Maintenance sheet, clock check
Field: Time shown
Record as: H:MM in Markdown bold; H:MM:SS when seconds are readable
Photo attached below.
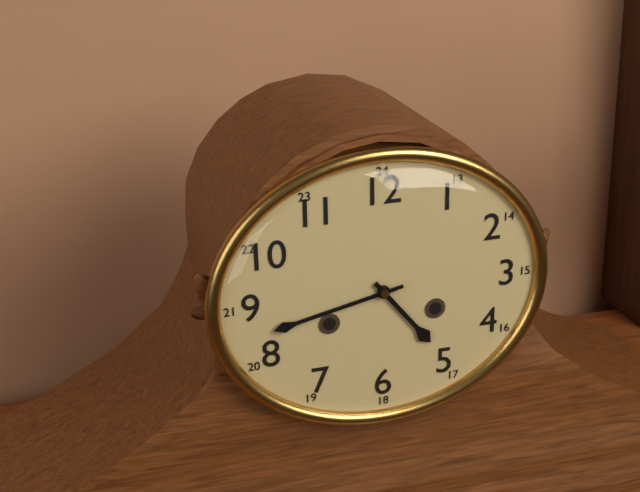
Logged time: **4:43**
